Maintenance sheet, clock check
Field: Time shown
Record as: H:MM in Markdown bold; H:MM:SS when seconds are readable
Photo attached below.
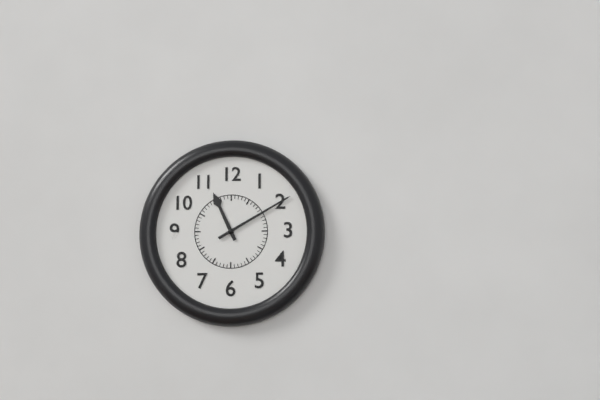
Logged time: **11:10**
